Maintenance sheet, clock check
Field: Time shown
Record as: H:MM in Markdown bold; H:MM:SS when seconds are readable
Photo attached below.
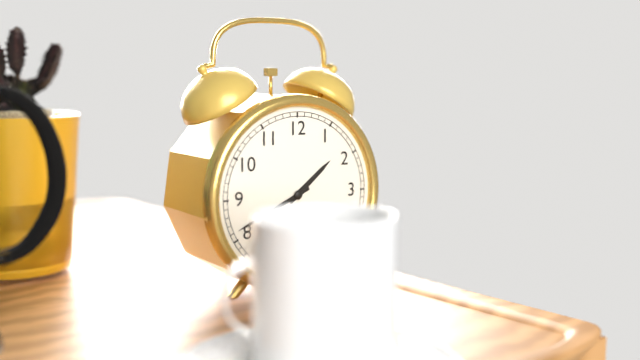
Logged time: **1:41**
